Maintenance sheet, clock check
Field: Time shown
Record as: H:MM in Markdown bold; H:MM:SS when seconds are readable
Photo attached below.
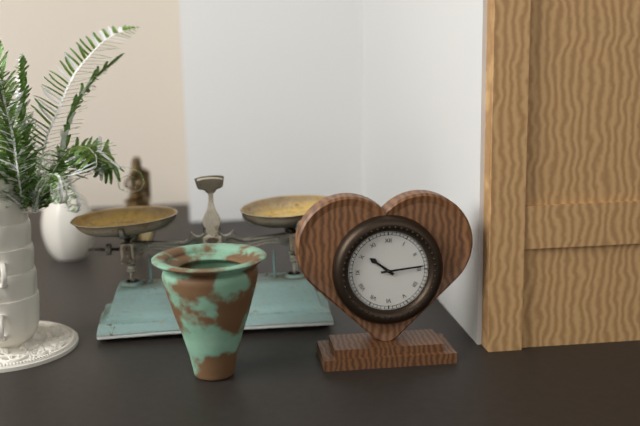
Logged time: **10:14**
